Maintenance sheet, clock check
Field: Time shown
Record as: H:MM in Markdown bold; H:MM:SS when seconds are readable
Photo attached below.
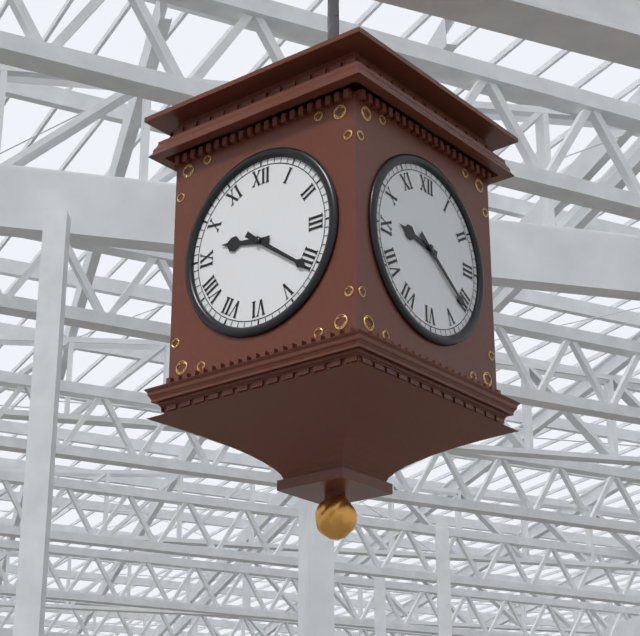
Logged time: **9:21**
